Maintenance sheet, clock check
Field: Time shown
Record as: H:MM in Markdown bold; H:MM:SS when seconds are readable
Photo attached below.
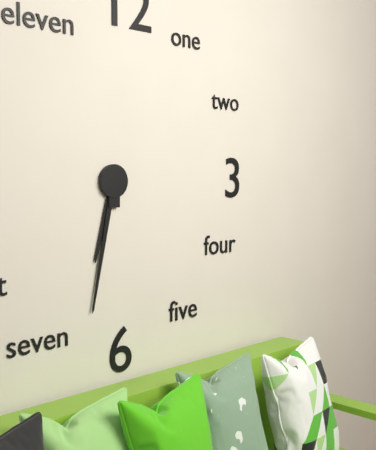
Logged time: **6:32**
